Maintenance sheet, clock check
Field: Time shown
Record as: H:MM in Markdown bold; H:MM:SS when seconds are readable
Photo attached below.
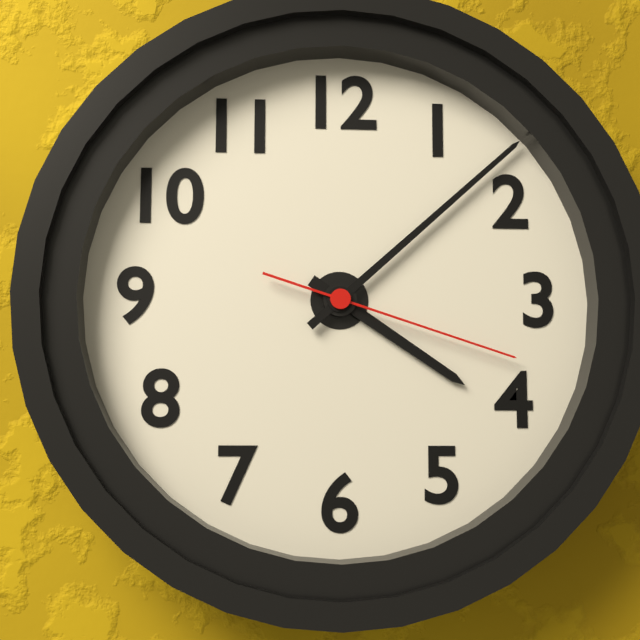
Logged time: **4:08:18**
